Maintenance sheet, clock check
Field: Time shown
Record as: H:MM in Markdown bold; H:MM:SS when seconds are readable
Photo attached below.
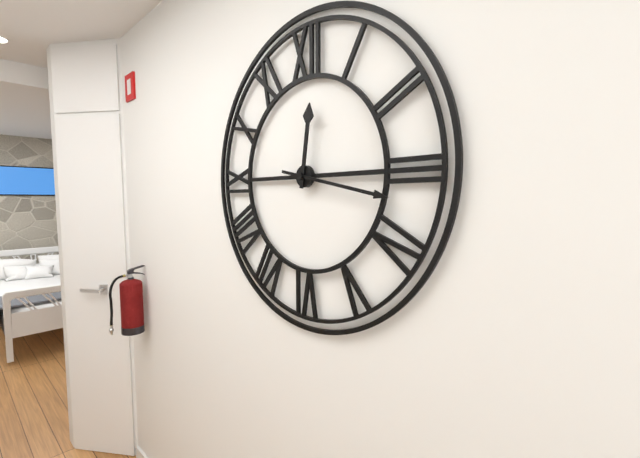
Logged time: **12:17**
